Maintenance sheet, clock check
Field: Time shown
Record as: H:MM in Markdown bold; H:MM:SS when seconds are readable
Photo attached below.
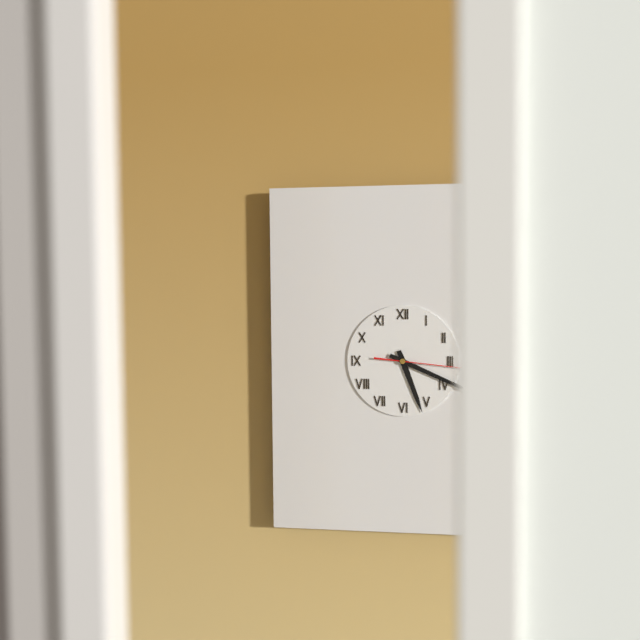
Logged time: **5:19**
